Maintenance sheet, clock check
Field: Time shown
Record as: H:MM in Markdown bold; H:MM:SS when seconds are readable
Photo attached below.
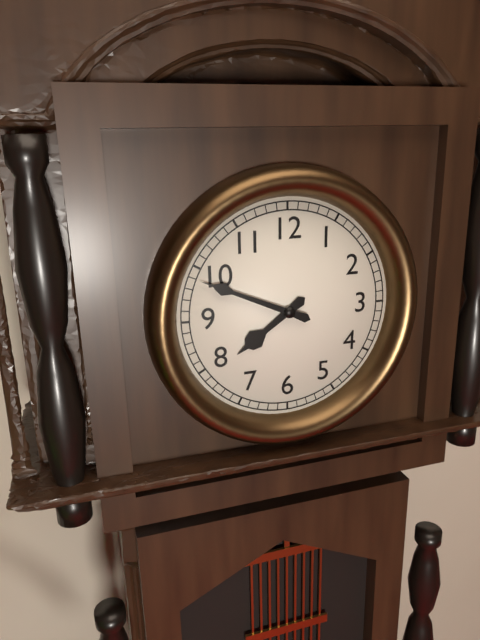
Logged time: **7:49**
